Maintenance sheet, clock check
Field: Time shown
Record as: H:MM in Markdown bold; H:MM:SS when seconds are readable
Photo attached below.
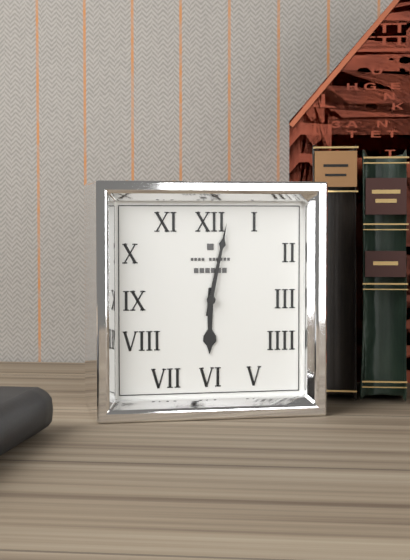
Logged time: **6:02**
